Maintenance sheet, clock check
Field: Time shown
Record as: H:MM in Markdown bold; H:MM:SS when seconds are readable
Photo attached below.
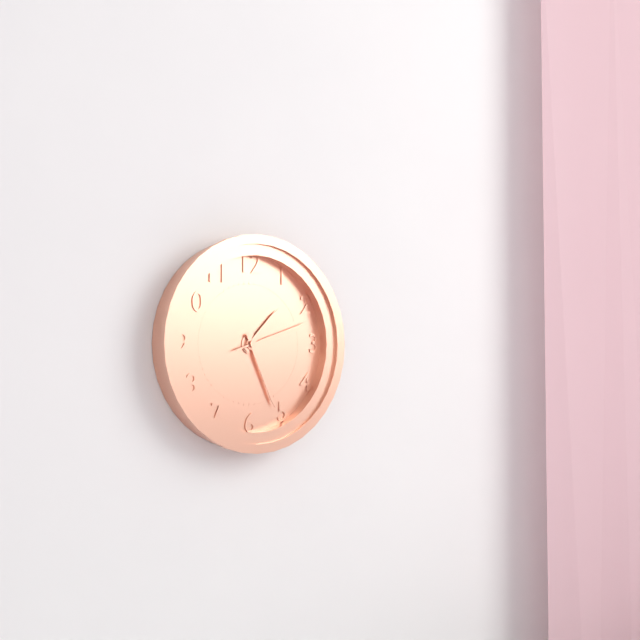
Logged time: **1:26:12**
